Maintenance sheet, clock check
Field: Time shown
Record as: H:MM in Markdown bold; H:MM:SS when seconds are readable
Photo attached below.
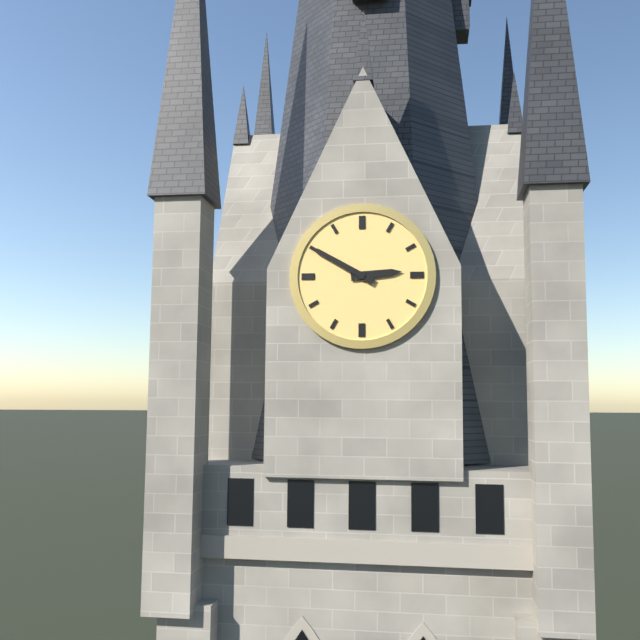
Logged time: **2:50**
